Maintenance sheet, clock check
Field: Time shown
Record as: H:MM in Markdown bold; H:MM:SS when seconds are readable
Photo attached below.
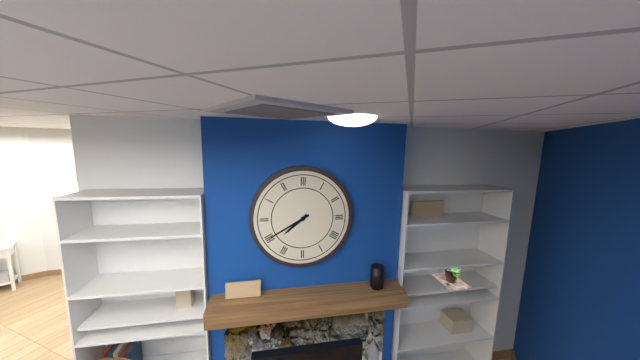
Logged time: **7:40**
